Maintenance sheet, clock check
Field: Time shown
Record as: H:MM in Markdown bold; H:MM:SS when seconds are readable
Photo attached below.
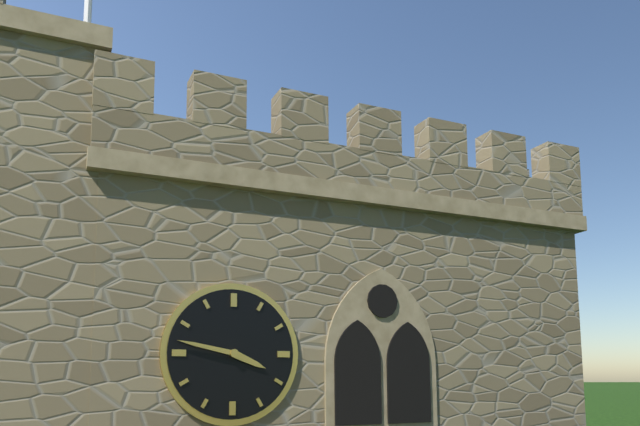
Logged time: **3:47**
